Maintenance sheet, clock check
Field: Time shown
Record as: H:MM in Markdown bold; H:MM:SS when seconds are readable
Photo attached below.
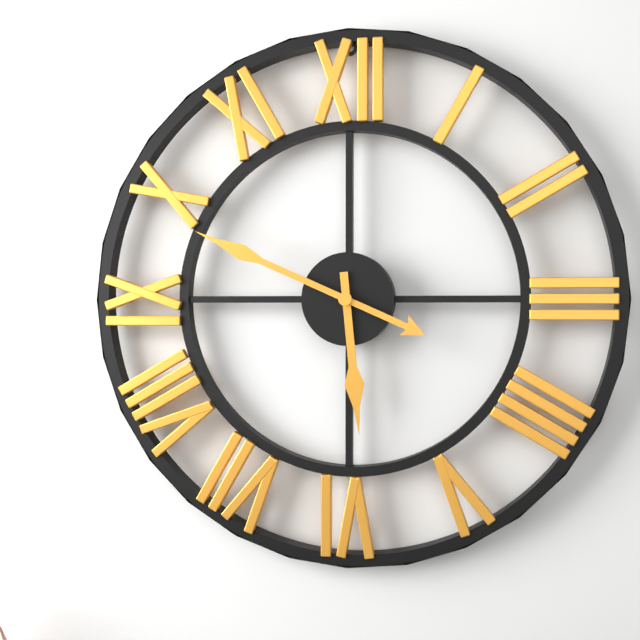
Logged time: **5:49**
